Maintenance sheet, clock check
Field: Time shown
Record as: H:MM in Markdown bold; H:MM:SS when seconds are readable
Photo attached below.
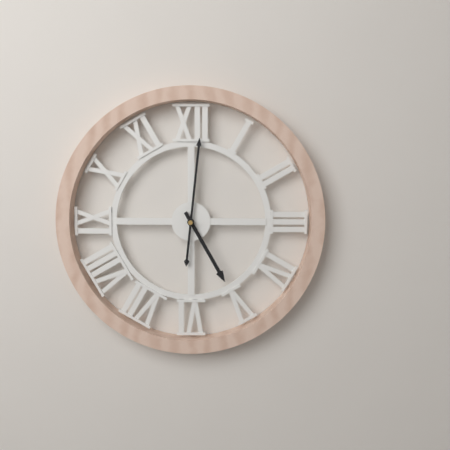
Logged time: **5:01**
